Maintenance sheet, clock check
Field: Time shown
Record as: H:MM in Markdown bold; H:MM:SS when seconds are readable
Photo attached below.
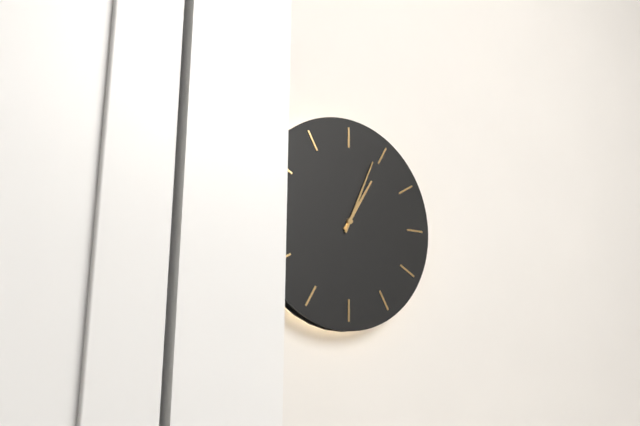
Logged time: **1:04**
